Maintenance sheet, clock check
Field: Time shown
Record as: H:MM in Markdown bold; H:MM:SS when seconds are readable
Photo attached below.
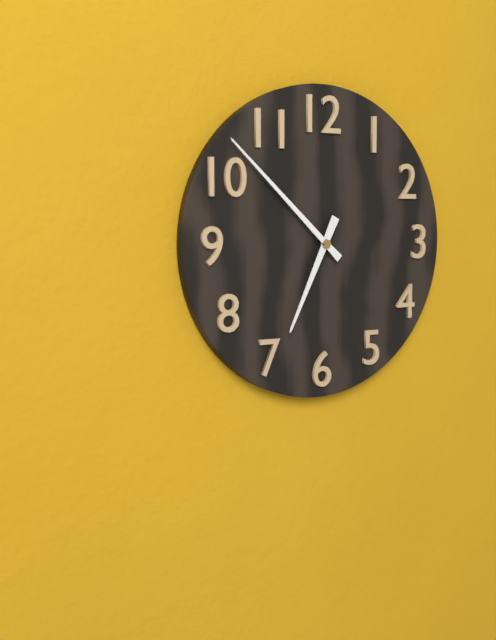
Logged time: **6:52**
